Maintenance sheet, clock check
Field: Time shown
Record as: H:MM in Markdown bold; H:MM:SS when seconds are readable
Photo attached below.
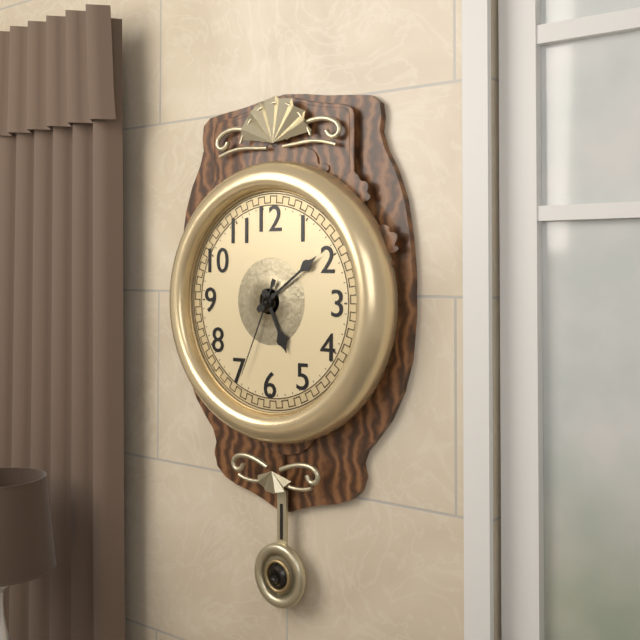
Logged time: **5:09:34**
